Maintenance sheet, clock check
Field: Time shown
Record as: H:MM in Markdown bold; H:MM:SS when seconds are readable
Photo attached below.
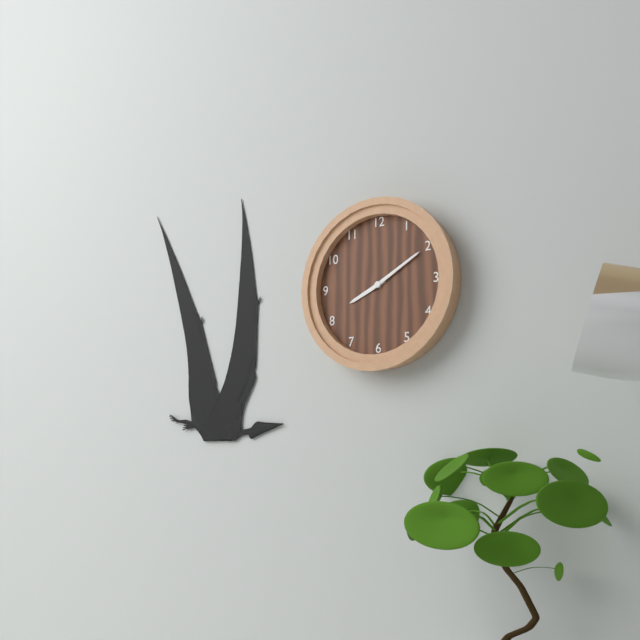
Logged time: **8:10**
